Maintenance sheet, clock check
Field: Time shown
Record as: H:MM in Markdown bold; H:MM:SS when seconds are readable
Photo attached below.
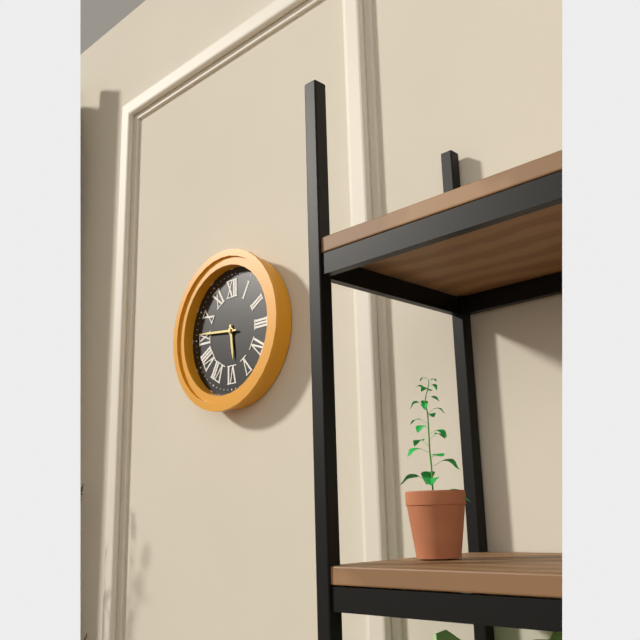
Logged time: **5:46**
